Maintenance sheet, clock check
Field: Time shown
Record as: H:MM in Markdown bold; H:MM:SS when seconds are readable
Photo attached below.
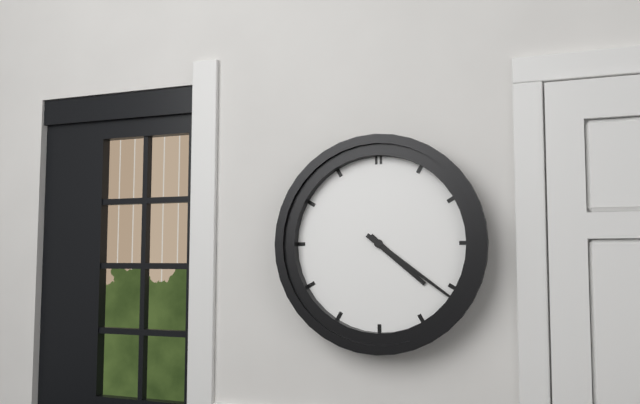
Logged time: **4:21**
